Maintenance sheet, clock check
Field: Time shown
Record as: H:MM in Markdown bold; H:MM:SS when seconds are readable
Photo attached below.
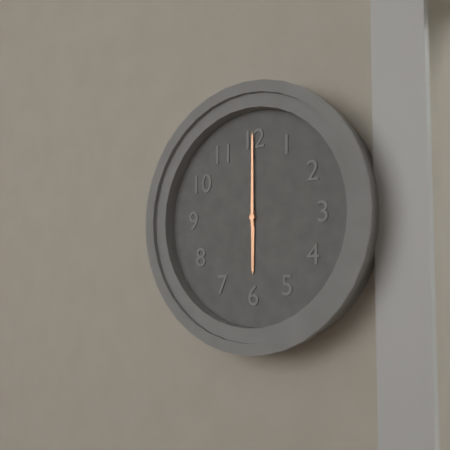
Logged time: **6:00**
